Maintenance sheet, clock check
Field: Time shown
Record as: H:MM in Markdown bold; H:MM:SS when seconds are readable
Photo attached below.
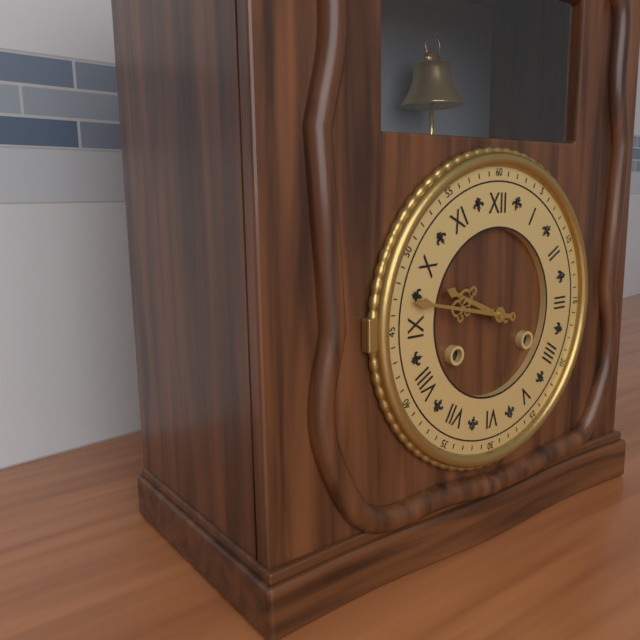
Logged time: **9:47**
